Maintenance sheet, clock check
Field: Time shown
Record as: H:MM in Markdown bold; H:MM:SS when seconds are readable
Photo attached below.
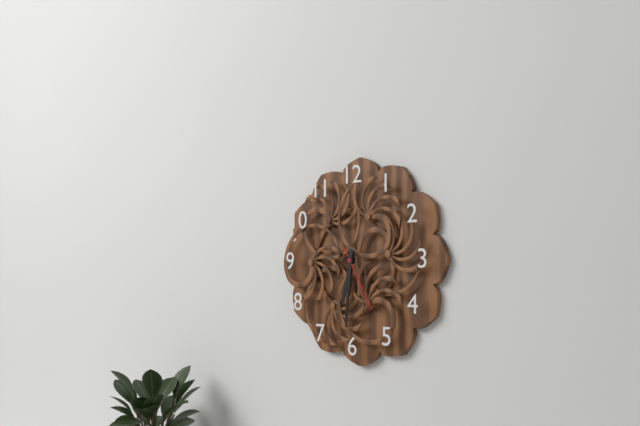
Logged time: **6:31:25**
